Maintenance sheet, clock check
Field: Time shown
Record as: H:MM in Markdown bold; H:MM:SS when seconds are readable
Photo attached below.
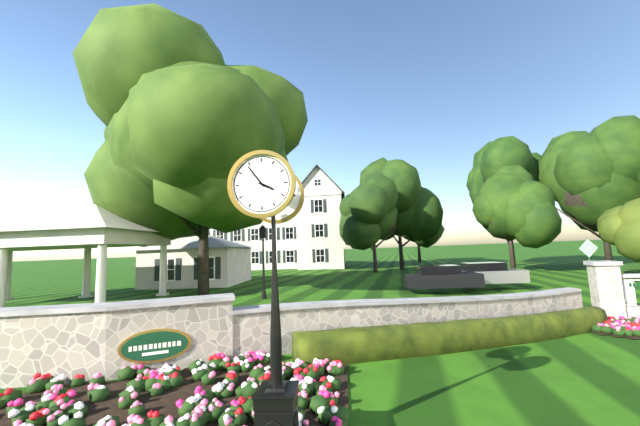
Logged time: **3:54**
